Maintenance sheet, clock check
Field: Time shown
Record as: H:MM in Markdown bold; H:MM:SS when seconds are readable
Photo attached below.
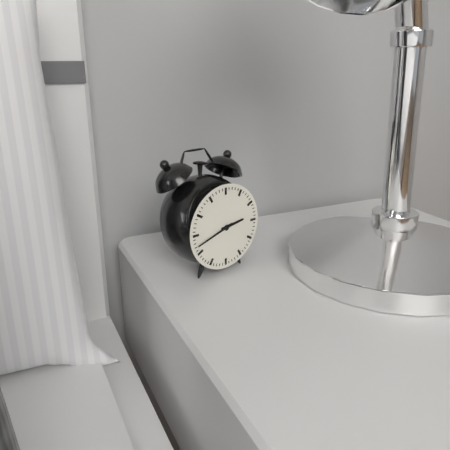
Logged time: **2:42**
